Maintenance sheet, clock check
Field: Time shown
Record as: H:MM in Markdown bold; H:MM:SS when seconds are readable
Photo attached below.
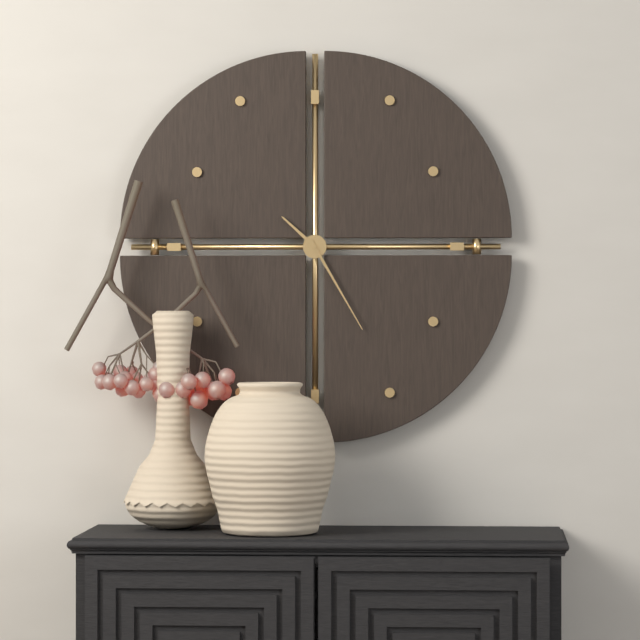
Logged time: **10:25**
